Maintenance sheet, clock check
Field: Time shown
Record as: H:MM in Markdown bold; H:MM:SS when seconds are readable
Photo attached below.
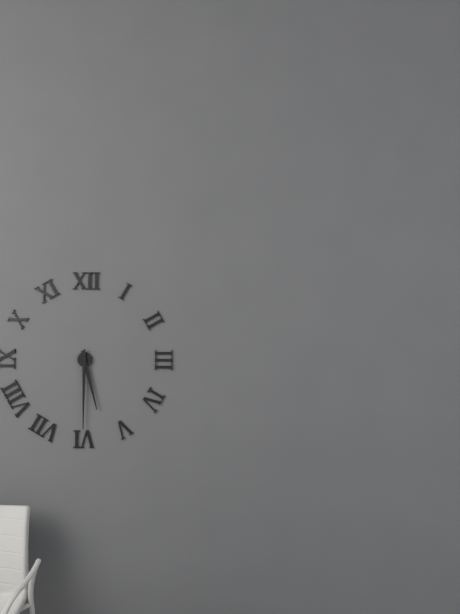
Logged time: **5:30**
